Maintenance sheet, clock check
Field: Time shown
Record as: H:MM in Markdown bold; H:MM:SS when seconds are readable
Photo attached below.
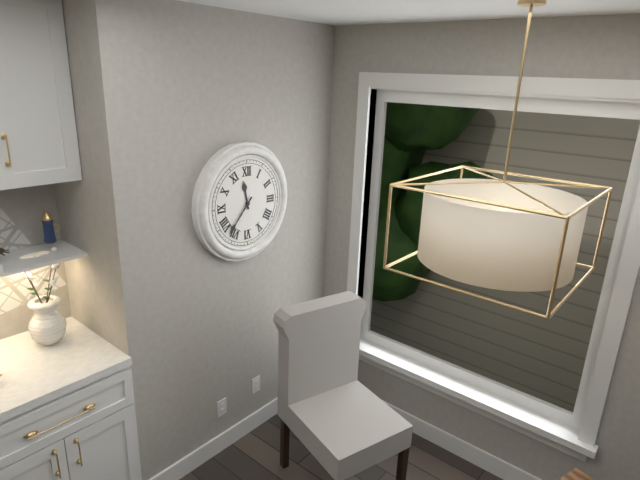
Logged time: **11:37**
